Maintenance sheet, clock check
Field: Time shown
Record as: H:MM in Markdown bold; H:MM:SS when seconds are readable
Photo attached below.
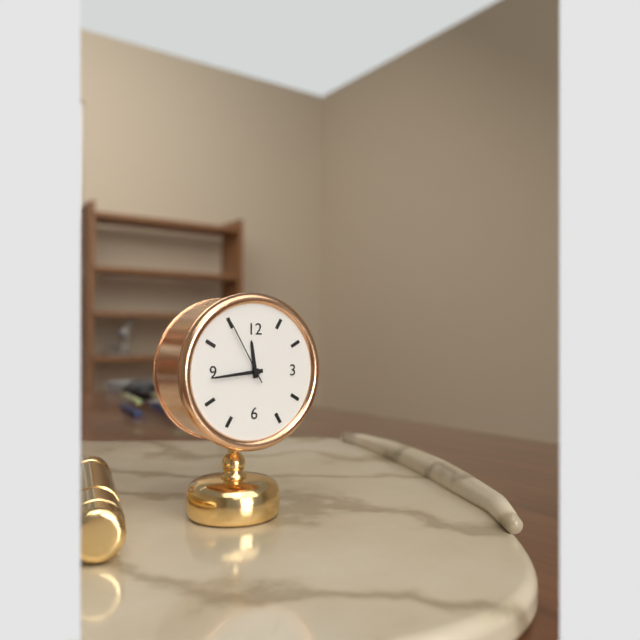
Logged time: **11:44:55**
